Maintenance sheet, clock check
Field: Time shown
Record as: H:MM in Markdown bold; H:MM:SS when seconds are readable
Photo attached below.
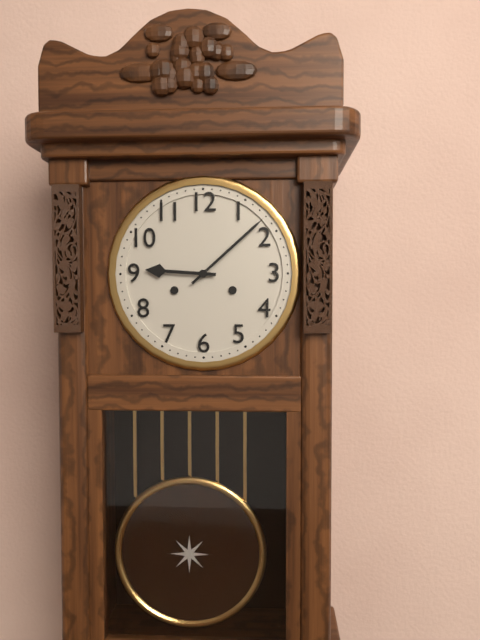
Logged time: **9:08**
